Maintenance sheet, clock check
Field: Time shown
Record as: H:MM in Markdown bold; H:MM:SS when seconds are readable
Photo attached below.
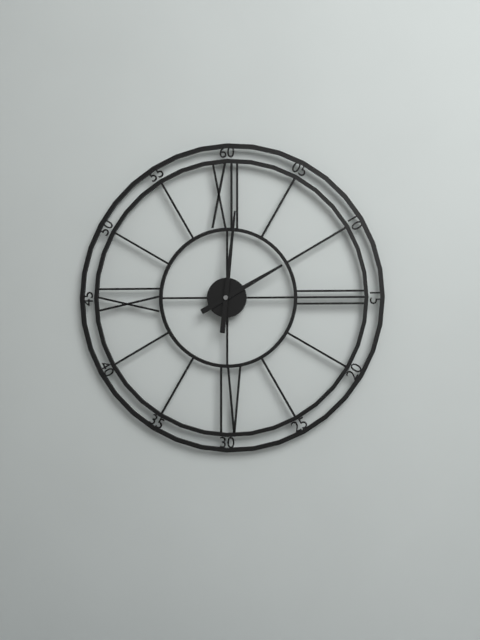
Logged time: **2:01**
